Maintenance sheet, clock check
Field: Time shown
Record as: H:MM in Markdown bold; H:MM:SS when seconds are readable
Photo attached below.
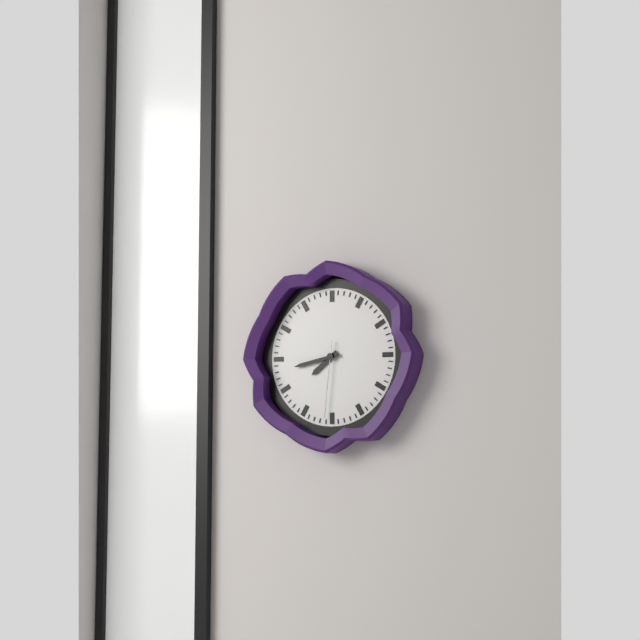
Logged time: **7:43:31**
